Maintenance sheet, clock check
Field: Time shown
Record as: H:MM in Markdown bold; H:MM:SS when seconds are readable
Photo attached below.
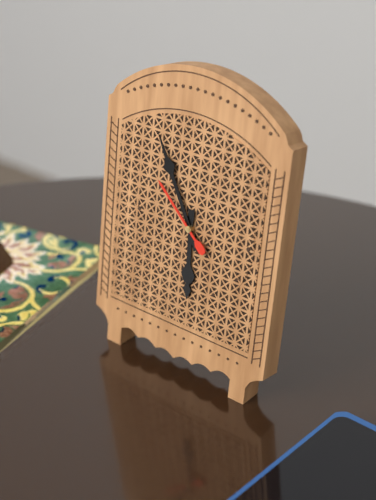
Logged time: **5:55:52**
